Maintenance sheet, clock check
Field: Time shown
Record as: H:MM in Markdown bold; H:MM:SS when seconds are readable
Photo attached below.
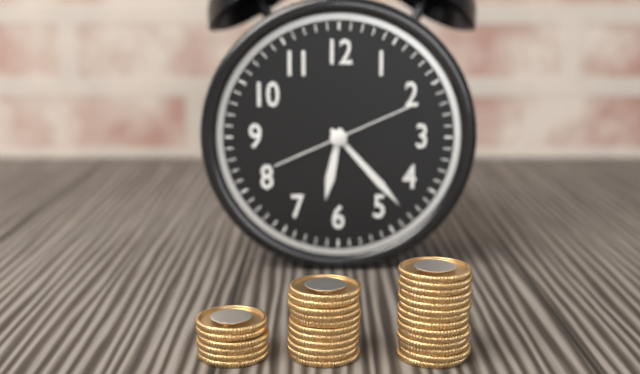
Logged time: **6:23:11**
